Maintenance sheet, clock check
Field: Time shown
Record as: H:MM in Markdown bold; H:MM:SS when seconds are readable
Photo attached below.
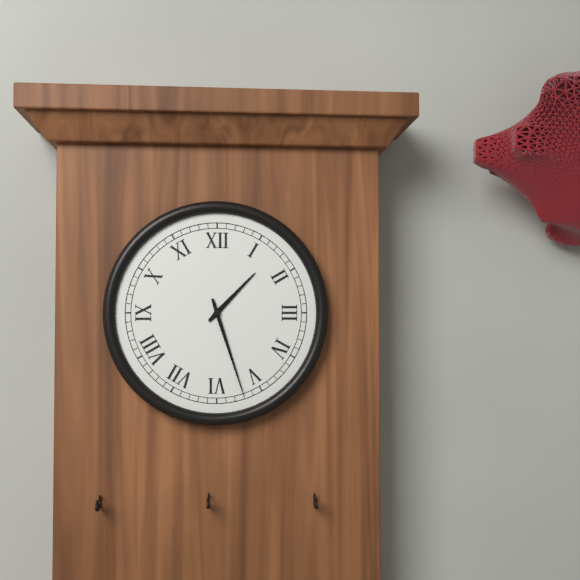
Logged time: **1:27**
